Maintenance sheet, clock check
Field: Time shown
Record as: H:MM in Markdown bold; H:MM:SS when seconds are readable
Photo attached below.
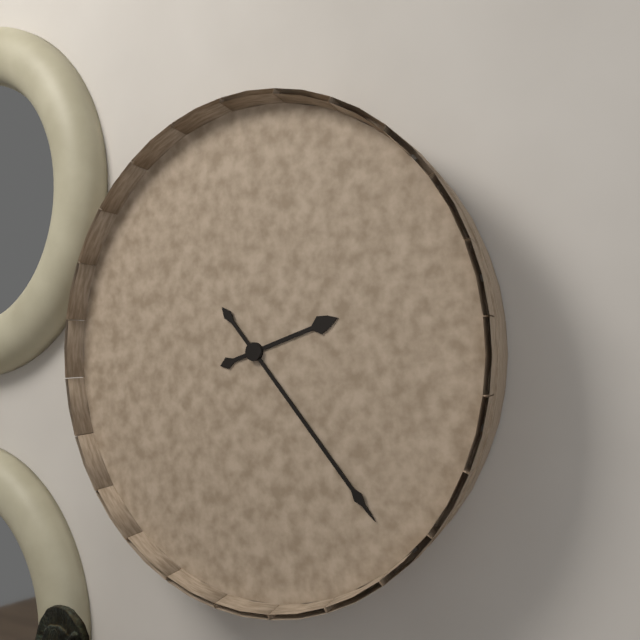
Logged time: **2:23**
